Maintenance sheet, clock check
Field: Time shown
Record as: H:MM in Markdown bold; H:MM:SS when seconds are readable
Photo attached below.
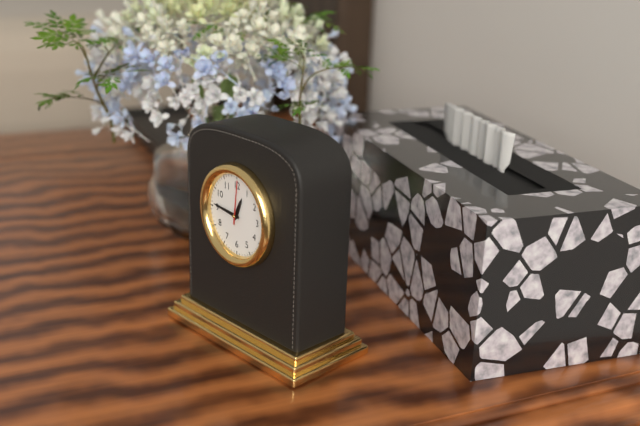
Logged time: **12:46**
